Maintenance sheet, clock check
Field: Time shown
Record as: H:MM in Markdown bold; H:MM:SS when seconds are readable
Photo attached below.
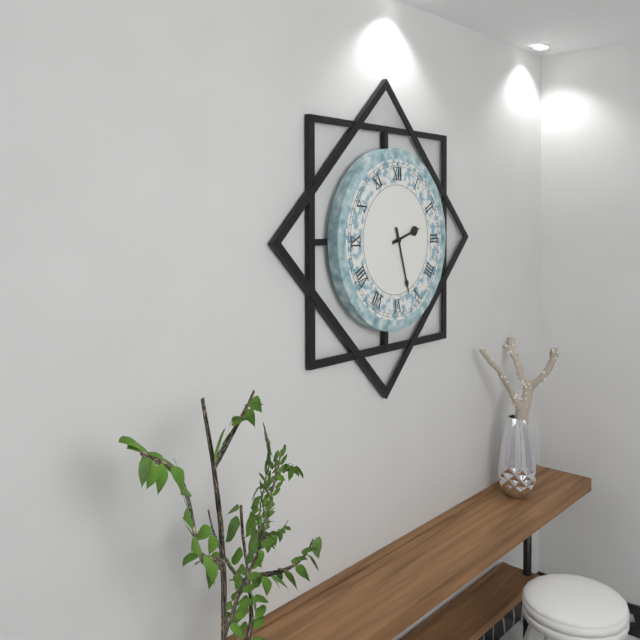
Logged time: **2:27**
